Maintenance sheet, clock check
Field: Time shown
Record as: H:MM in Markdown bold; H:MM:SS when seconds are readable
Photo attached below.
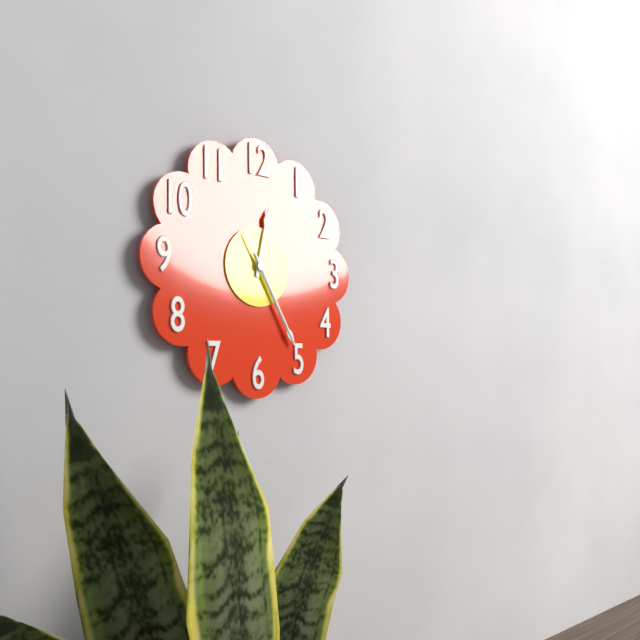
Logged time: **12:25:25**
